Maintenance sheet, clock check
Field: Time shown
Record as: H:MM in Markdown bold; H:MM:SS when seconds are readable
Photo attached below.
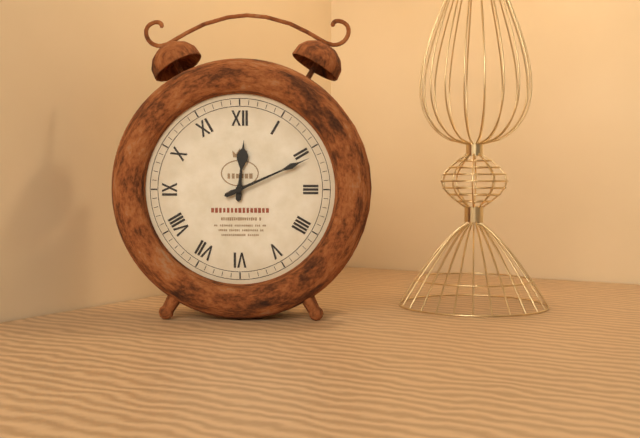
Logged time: **12:11**
